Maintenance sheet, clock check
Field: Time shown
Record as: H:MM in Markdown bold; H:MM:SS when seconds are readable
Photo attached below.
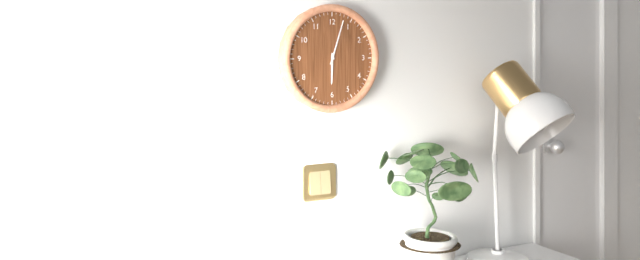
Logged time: **6:03**
